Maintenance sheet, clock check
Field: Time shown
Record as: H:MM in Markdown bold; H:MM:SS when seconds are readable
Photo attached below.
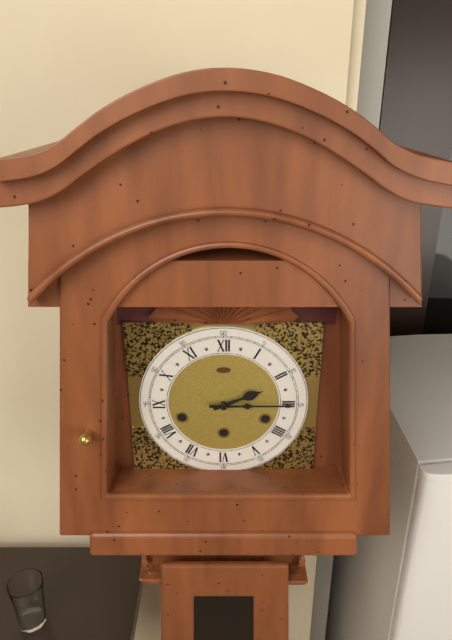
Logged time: **2:15**
